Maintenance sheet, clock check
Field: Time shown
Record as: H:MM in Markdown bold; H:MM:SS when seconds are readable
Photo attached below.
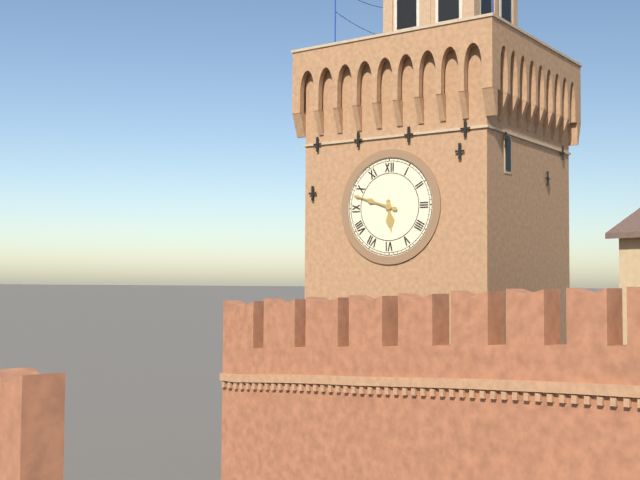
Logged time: **5:48**
